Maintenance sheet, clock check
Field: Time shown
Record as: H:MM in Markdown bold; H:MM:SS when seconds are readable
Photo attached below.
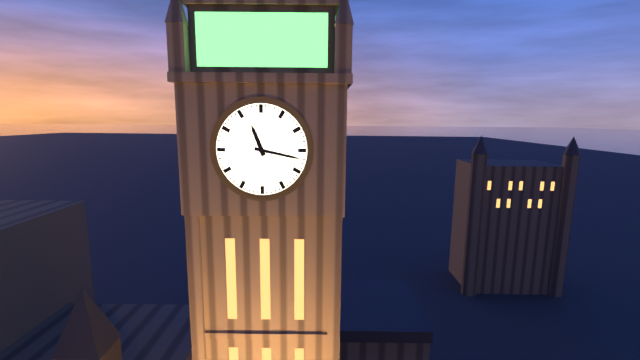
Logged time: **11:17**
